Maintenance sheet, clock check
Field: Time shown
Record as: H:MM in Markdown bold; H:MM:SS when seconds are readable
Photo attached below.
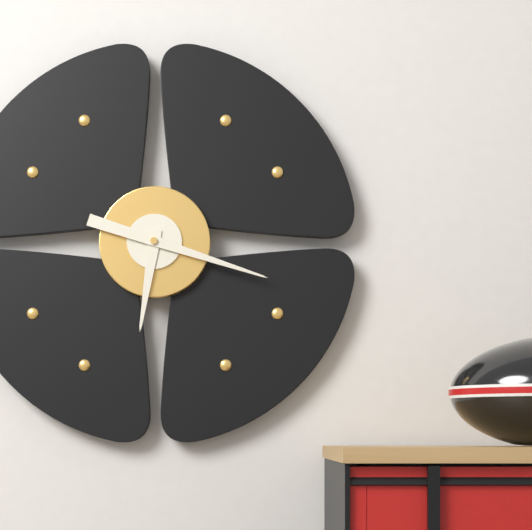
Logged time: **6:18**
